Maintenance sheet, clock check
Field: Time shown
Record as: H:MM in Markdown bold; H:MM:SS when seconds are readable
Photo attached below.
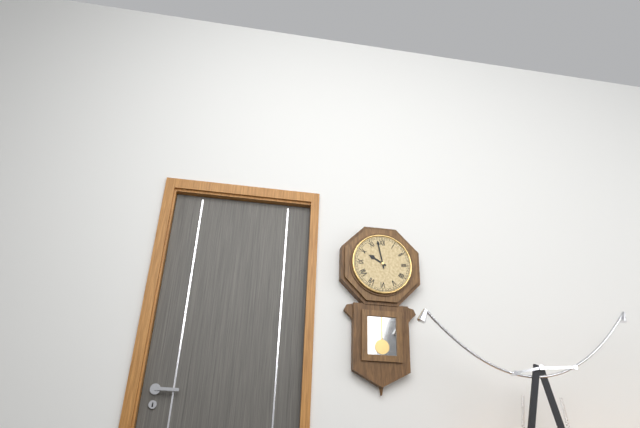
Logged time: **9:58**
